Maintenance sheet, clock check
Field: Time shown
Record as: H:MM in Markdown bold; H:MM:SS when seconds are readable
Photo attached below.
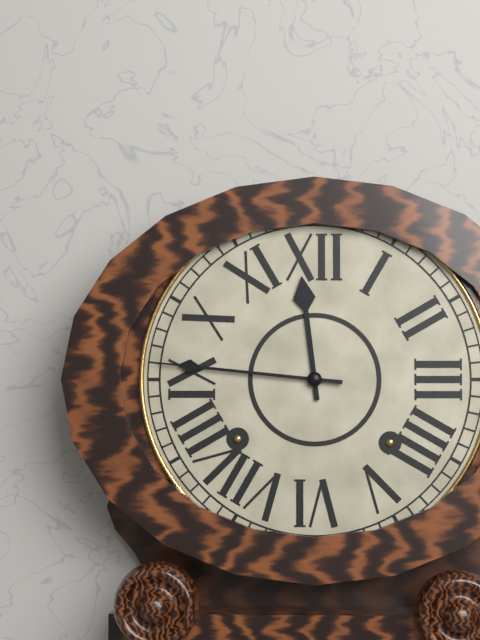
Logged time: **11:46**
